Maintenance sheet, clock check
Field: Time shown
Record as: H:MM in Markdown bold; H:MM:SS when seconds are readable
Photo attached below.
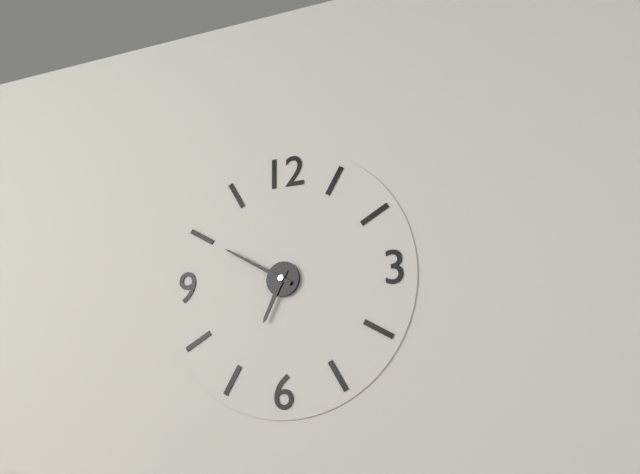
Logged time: **6:50**
